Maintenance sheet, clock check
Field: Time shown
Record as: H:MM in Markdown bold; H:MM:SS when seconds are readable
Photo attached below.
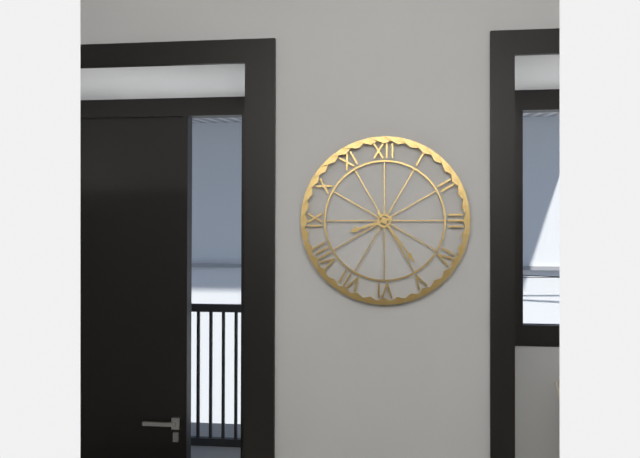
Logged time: **8:24**
